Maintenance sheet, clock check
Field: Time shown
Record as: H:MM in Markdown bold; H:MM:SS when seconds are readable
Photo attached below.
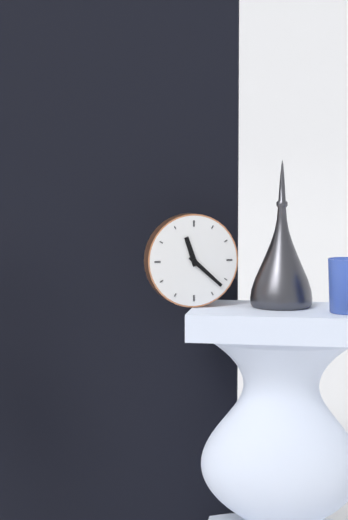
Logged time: **11:22**
